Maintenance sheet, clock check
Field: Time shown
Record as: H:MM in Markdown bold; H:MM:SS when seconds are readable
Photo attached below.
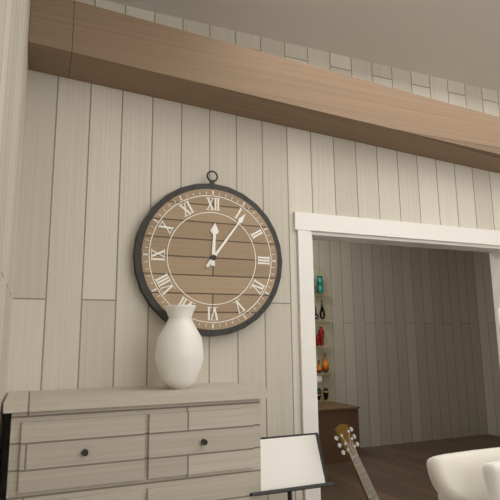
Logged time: **12:06**
